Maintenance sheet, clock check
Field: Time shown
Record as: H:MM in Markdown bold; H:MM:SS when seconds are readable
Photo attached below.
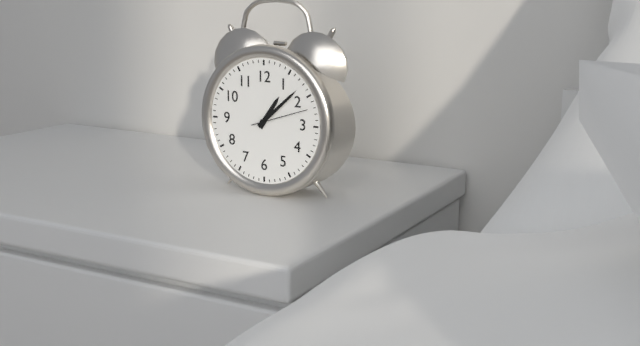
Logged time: **1:08:12**
